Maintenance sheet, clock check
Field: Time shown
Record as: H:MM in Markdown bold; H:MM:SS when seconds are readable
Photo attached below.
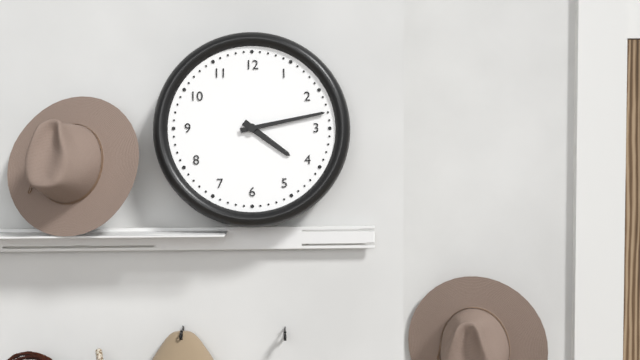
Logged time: **4:13**
